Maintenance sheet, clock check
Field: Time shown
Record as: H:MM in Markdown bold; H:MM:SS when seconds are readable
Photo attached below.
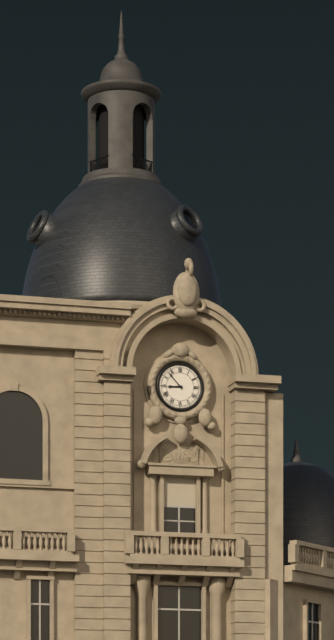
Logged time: **8:53**
